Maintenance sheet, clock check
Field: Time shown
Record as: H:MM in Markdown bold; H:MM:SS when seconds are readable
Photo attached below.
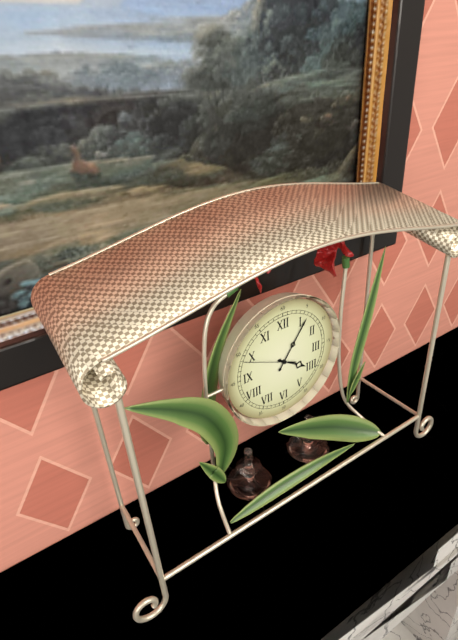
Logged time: **4:06**
